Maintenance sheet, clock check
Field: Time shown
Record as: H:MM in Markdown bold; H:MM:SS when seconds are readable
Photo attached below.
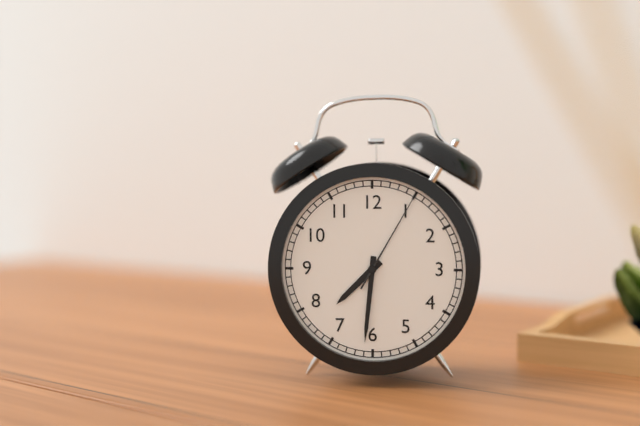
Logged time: **7:31:05**
